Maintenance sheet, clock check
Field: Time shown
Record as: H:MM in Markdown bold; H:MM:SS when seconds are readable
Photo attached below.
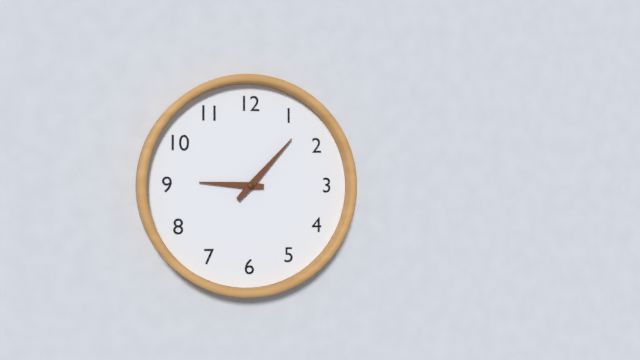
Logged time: **9:07**
